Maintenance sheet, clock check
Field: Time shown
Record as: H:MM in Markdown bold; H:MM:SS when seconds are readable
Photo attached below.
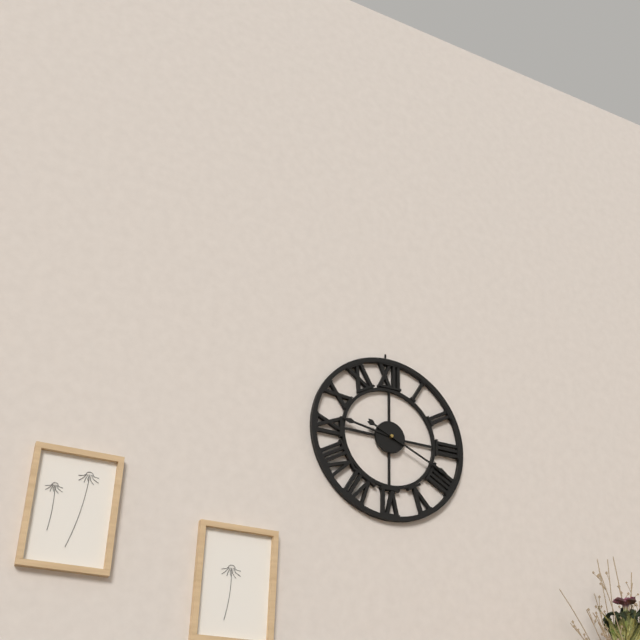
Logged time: **9:19**
